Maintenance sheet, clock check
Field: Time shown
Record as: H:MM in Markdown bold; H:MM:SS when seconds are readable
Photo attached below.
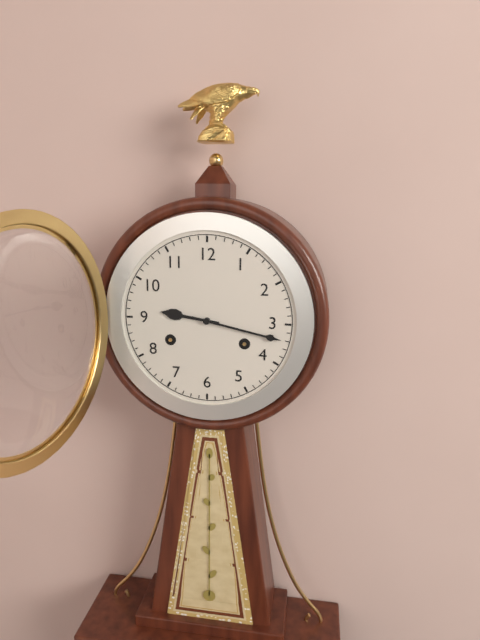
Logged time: **9:17**
